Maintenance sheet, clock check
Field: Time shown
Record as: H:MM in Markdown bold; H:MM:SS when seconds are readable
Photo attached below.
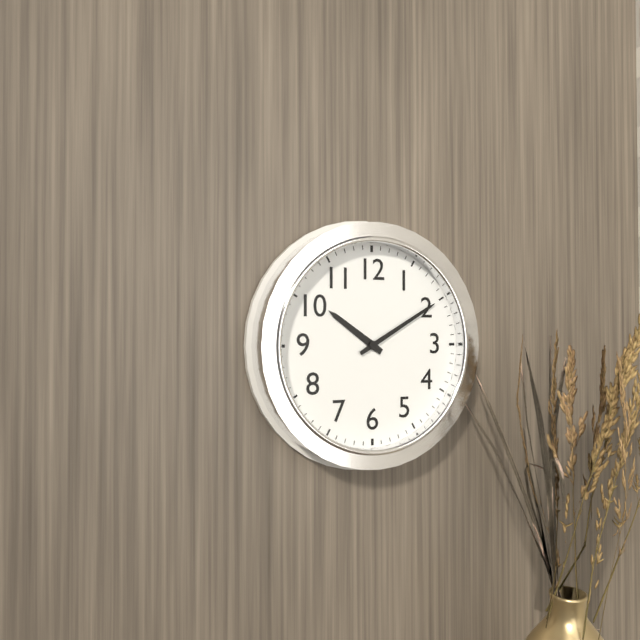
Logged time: **10:10**
